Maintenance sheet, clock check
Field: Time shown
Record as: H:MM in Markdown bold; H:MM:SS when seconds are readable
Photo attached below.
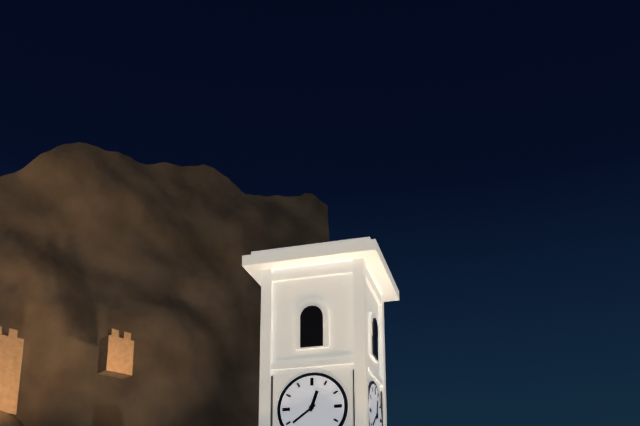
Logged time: **12:39**
